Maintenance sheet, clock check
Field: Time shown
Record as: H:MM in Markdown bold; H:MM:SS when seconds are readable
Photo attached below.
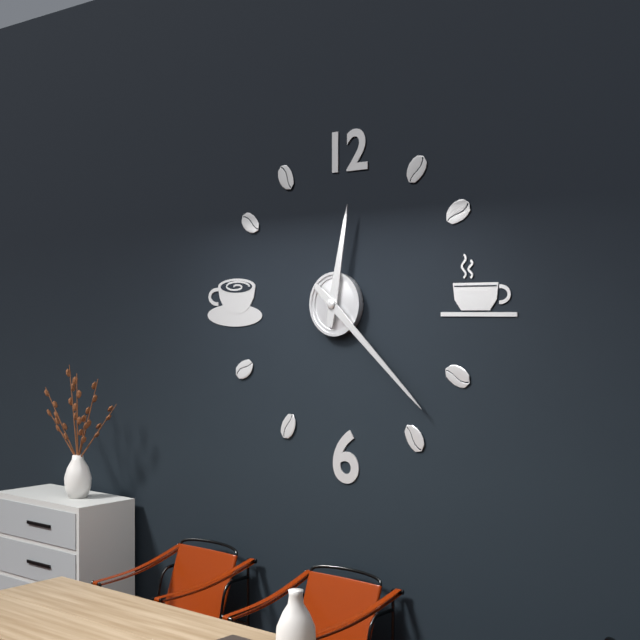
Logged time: **12:22**
